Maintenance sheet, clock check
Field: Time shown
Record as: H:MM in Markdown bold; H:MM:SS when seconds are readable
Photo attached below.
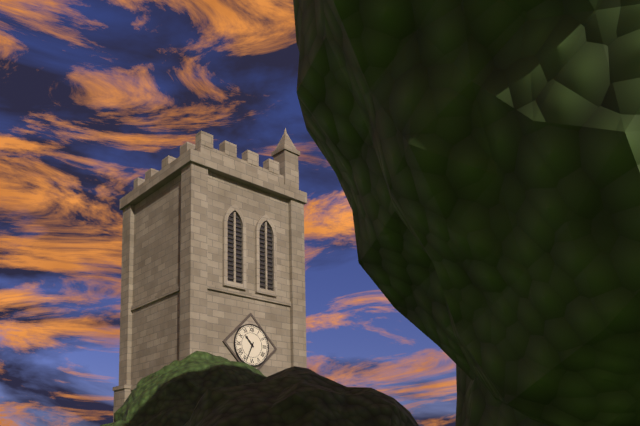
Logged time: **10:34**
